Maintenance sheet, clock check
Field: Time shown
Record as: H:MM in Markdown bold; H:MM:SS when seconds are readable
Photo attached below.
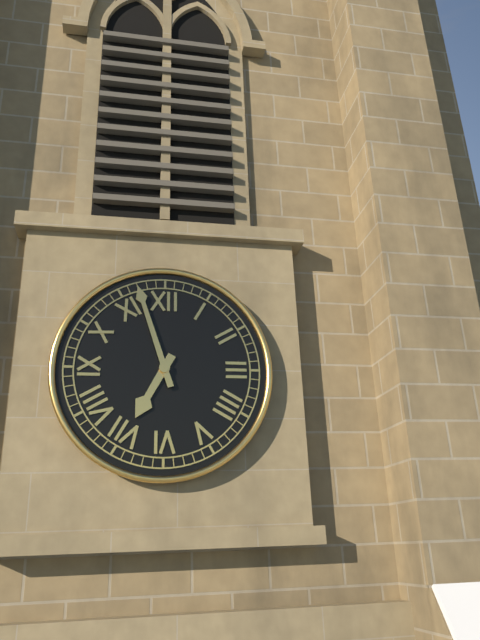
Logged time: **6:57**
